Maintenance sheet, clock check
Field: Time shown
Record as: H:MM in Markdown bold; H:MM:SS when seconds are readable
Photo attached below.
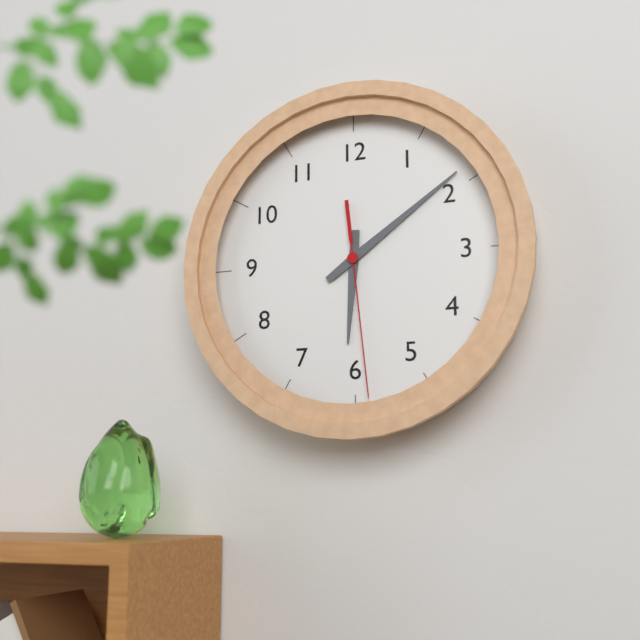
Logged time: **6:09:29**
